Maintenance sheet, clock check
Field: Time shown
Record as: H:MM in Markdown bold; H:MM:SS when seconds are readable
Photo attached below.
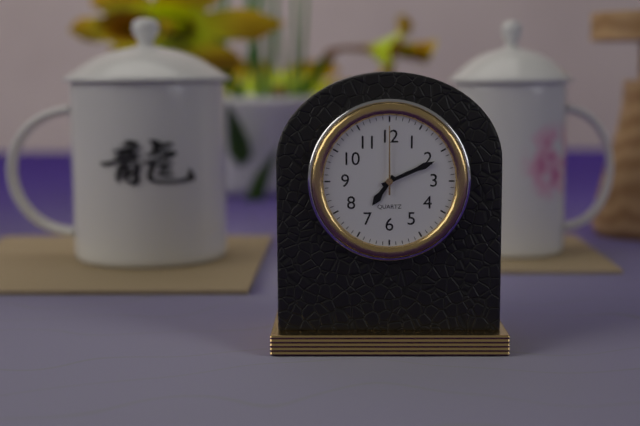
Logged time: **7:11:00**
